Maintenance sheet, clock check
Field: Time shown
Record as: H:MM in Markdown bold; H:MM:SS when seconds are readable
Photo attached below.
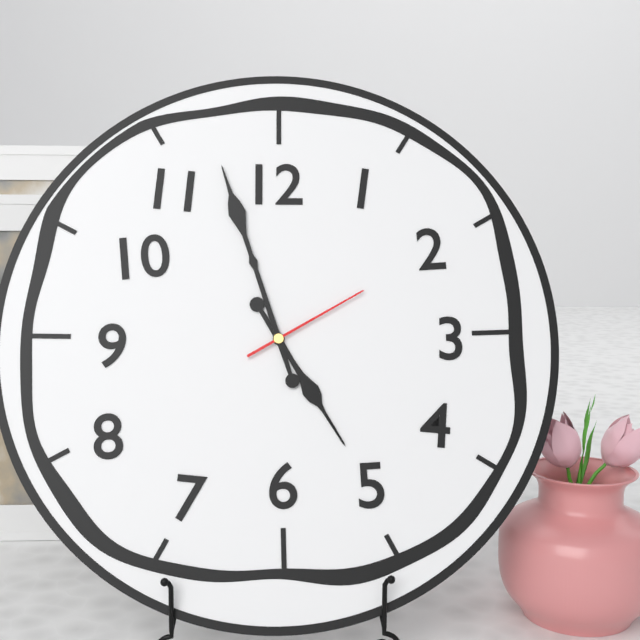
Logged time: **4:57:10**
